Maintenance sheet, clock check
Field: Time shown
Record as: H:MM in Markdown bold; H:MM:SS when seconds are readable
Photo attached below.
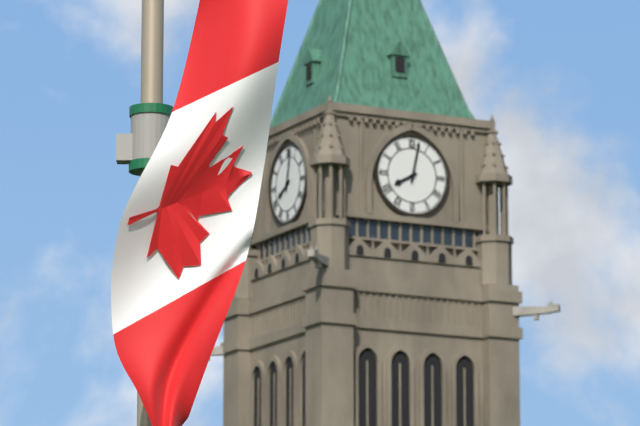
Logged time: **8:02**
